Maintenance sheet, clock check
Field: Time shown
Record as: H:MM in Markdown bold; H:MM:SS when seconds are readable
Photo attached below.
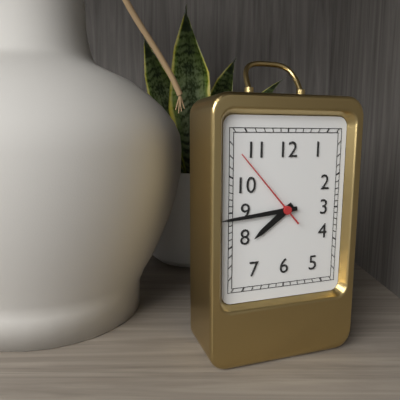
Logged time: **7:44:53**
